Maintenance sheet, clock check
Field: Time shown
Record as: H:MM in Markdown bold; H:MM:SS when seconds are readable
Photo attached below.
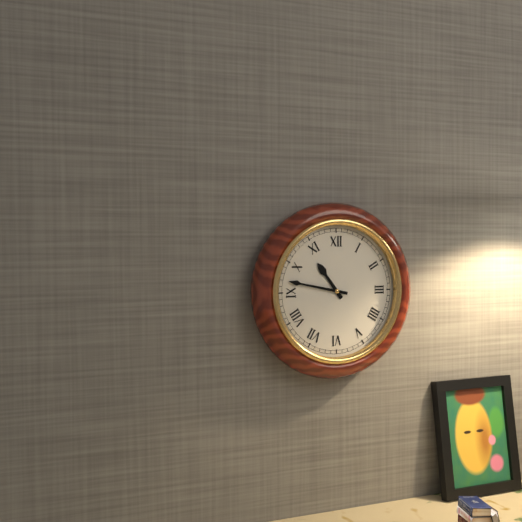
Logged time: **10:47**
